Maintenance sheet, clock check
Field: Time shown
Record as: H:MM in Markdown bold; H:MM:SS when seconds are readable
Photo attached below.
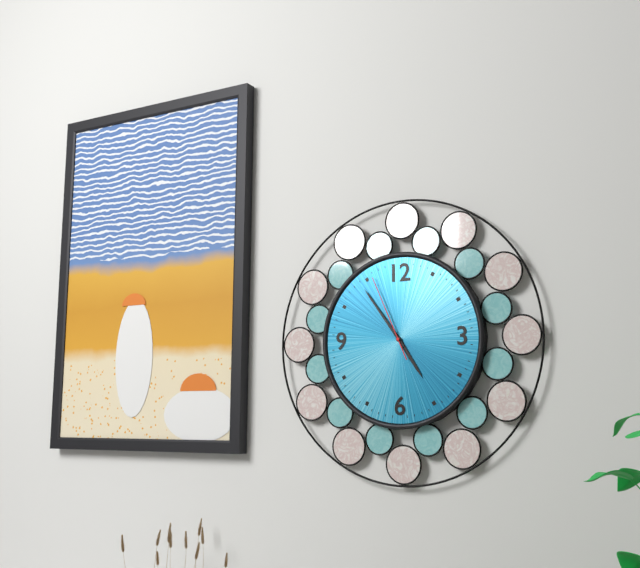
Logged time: **4:54:56**
